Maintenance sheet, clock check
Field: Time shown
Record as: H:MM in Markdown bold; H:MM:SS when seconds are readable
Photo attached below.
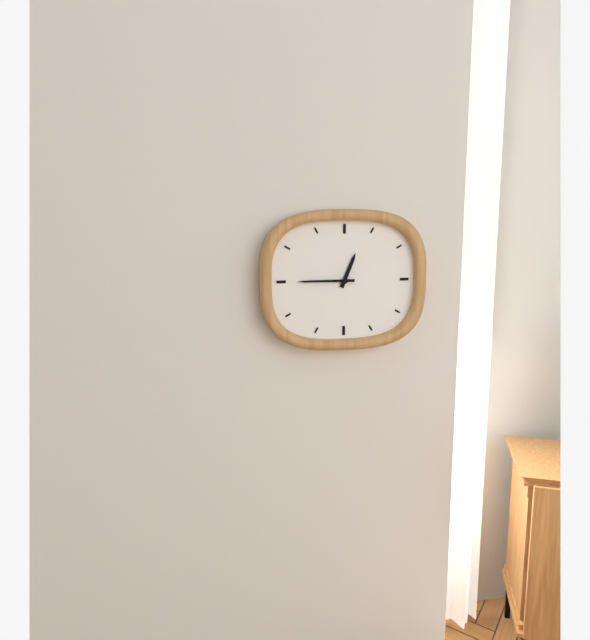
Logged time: **12:45**
